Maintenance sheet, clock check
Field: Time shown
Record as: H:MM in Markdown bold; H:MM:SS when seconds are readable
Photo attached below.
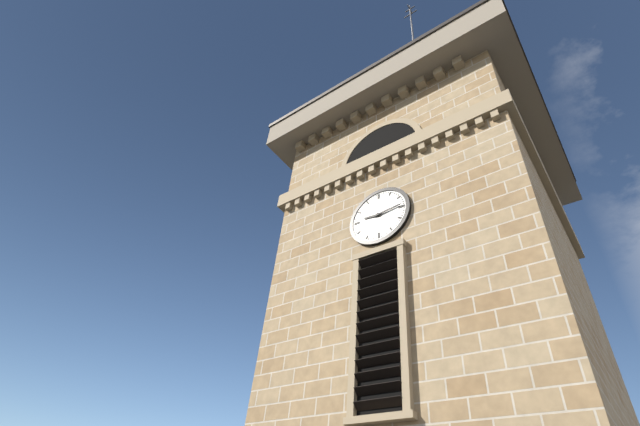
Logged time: **9:14**
